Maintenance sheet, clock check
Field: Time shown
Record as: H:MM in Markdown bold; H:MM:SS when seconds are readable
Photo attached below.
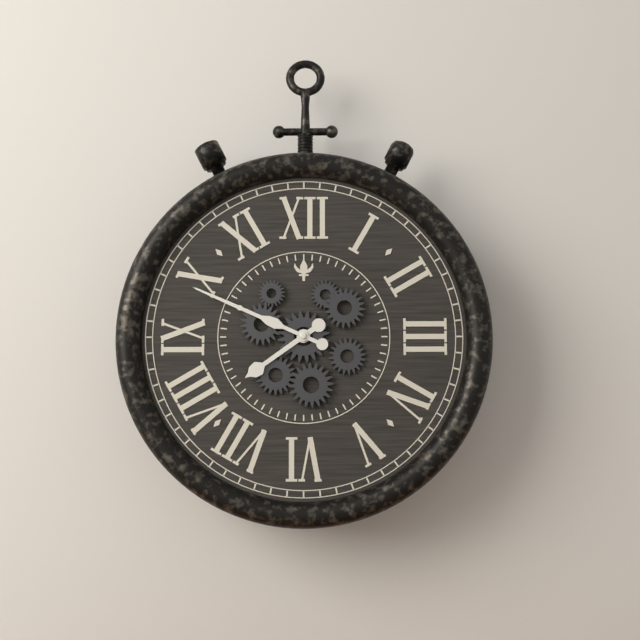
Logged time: **7:49**
